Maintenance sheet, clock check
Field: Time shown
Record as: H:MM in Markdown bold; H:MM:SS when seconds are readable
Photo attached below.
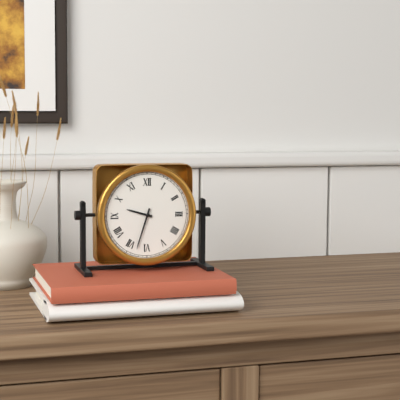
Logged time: **9:33**
